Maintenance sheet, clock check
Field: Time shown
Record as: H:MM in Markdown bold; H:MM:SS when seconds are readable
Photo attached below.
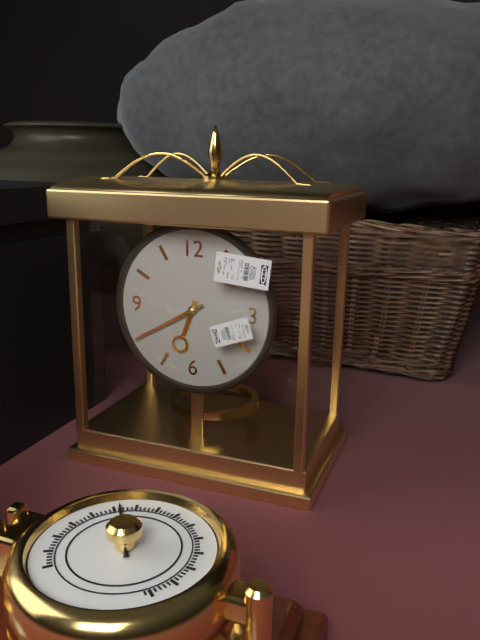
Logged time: **6:40**
